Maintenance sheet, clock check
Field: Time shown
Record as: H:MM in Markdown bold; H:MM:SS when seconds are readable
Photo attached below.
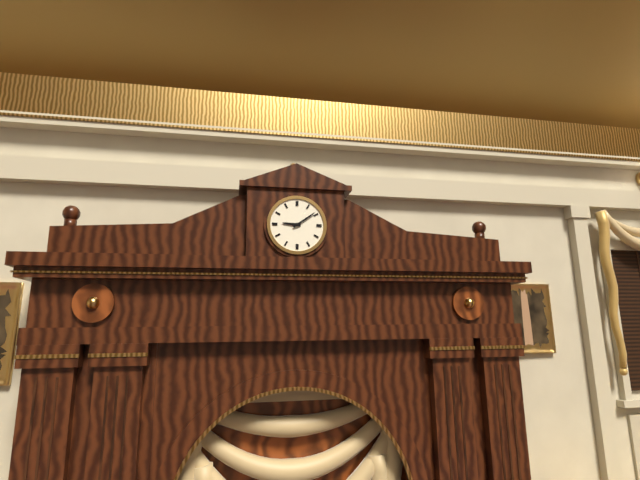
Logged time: **9:09**
